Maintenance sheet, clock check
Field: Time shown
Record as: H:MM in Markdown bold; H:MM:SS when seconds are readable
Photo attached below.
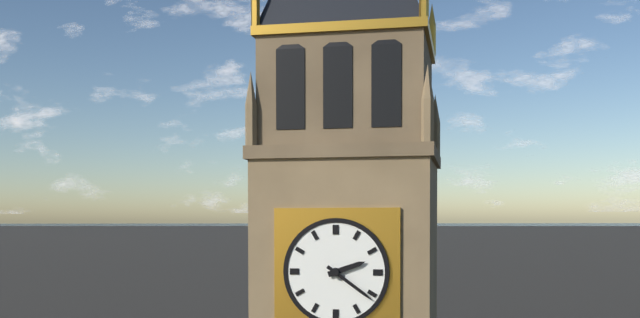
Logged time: **2:21**
